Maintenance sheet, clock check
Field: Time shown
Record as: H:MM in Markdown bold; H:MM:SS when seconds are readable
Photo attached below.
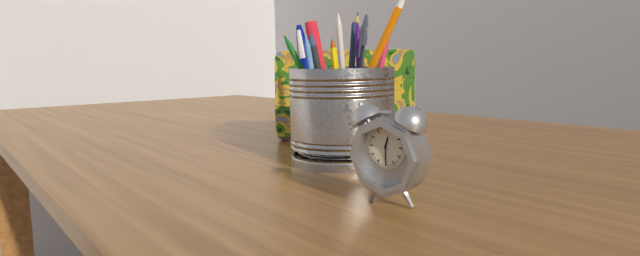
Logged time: **12:30**
